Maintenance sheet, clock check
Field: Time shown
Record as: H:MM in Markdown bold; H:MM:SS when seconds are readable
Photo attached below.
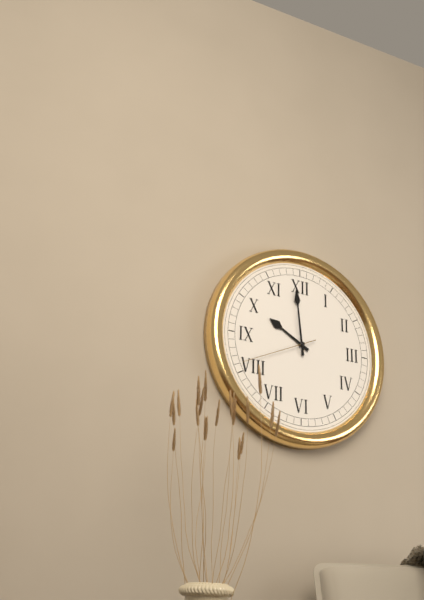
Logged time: **9:59:41**
